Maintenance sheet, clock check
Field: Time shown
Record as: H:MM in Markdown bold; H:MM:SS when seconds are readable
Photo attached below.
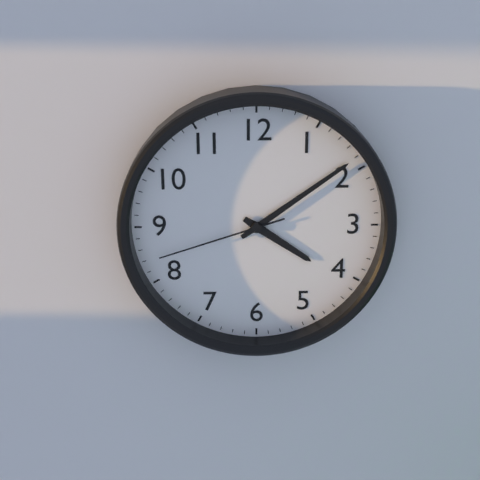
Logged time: **4:09:42**
